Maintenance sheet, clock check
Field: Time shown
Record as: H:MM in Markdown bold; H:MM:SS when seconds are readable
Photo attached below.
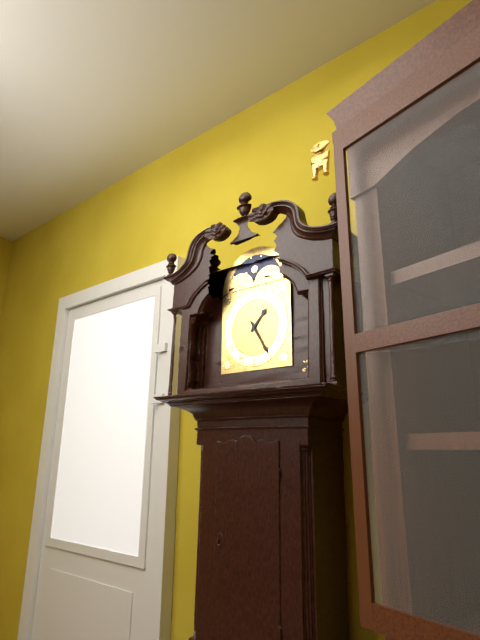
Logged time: **1:25**
